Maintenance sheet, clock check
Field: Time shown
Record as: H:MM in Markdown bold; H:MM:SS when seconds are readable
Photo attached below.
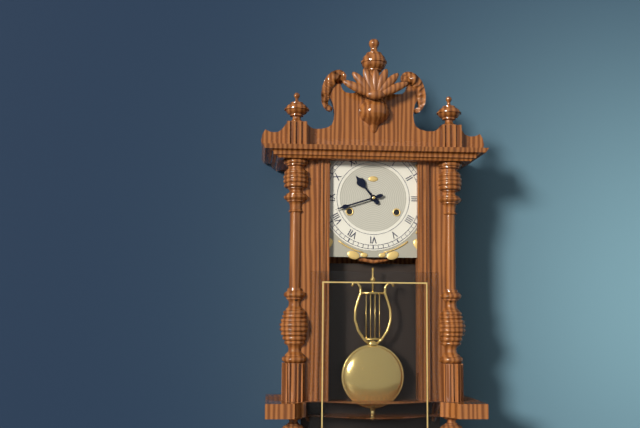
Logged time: **10:42**
